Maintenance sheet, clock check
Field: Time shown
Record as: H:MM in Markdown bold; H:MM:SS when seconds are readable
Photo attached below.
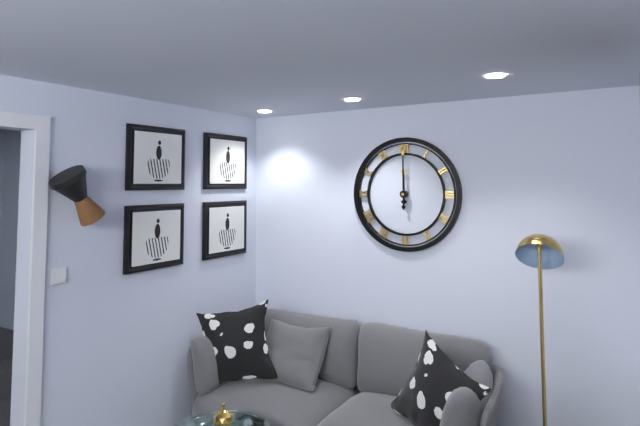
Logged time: **12:00**
